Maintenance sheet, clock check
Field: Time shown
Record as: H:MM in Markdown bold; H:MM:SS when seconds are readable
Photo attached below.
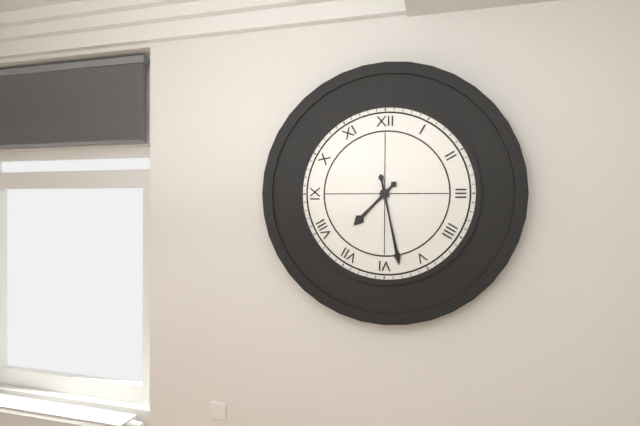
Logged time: **7:28**
